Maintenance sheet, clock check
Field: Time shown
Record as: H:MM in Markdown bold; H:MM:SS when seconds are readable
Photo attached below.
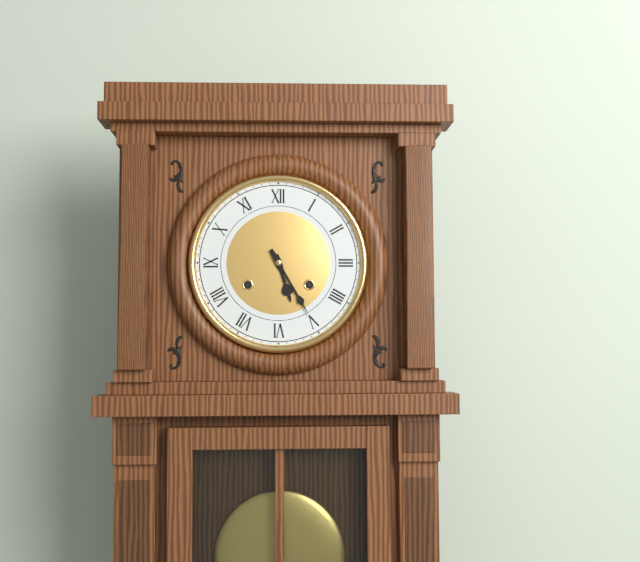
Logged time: **5:25**
